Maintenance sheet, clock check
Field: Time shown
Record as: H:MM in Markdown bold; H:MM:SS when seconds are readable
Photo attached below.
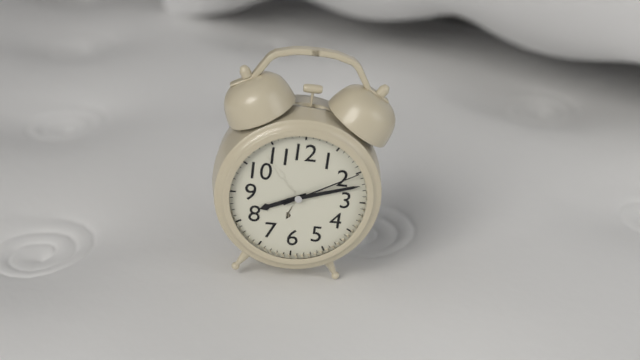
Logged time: **8:12:10**
